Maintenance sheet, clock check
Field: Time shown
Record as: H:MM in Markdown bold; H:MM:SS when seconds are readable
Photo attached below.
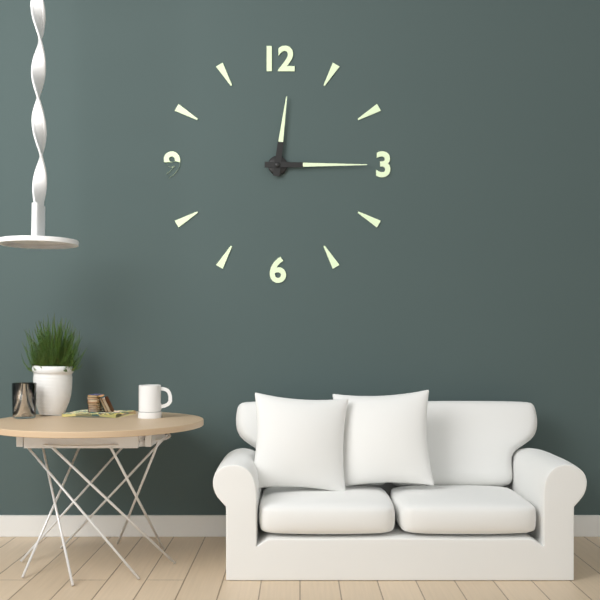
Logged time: **12:15**
